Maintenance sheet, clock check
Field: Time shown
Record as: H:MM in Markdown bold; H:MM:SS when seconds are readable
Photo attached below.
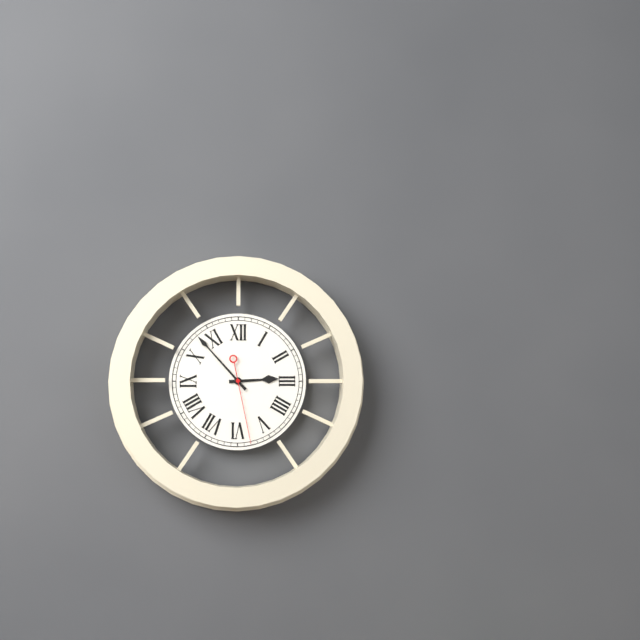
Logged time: **2:53:28**
